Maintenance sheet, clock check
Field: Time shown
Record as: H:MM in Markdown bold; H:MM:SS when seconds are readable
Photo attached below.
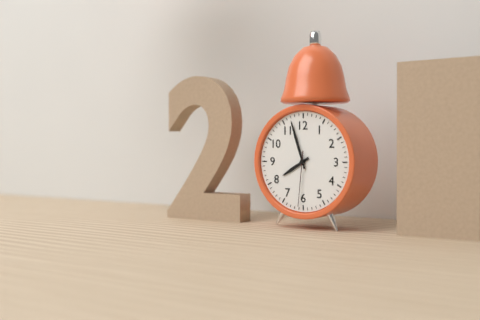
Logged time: **7:57:31**
